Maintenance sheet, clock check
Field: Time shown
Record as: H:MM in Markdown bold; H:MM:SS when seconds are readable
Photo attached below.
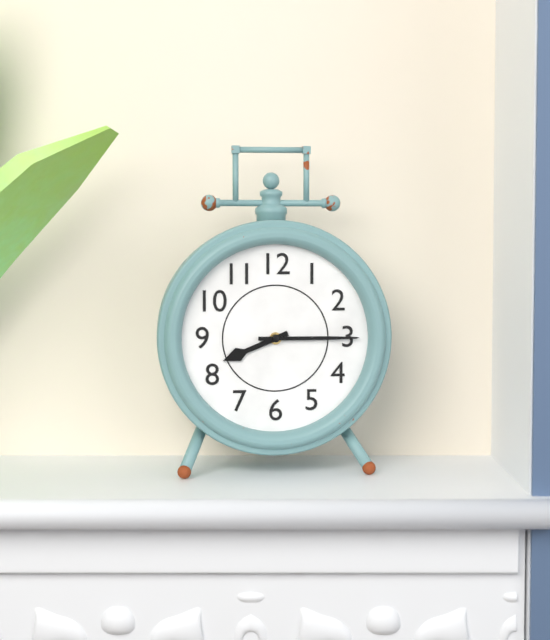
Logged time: **8:15**
